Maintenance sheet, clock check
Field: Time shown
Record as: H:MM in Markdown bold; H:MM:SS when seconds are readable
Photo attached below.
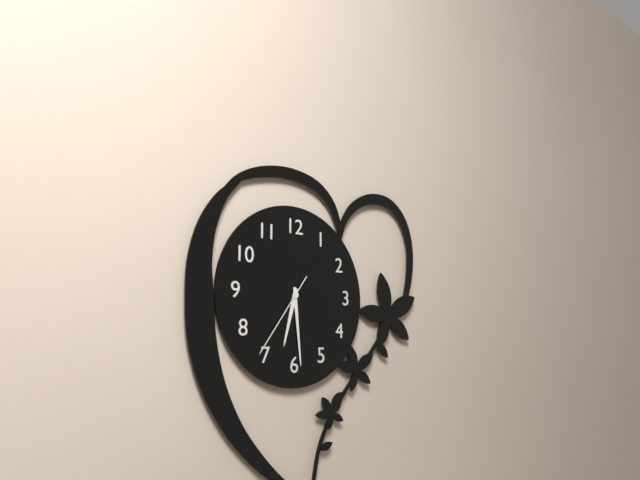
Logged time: **6:29:36**
